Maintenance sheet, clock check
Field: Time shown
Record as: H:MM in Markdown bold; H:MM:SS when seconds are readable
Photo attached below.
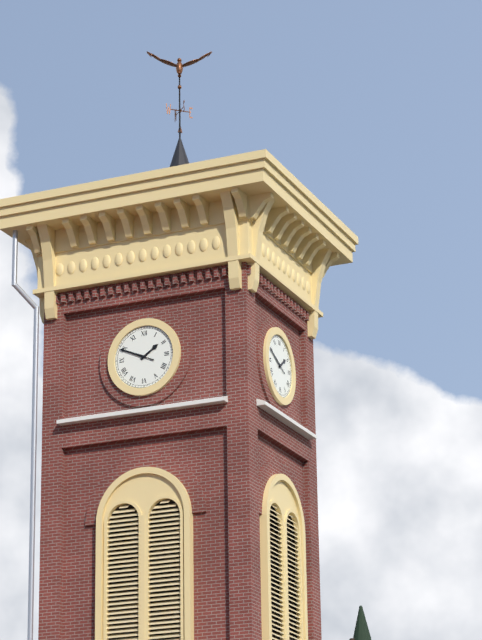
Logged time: **1:49**
